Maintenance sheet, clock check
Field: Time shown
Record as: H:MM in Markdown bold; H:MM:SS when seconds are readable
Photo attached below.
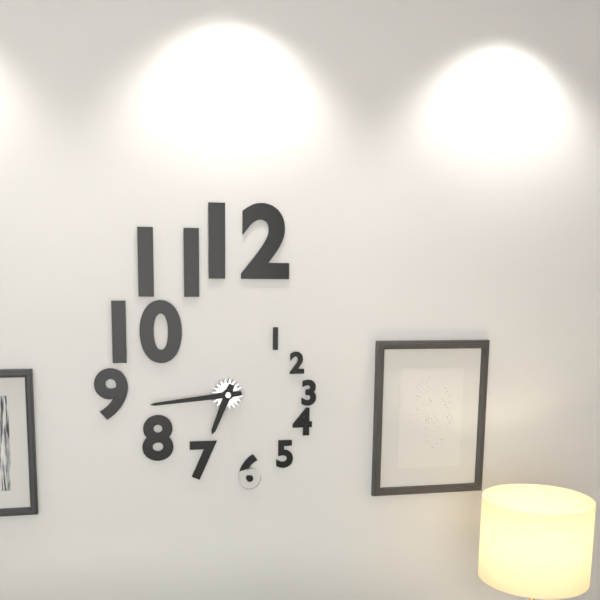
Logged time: **6:44**
